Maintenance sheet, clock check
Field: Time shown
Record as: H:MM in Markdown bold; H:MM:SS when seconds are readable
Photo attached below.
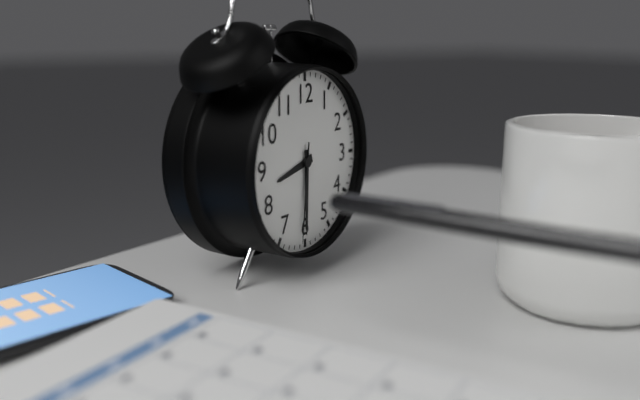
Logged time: **8:30:31**
